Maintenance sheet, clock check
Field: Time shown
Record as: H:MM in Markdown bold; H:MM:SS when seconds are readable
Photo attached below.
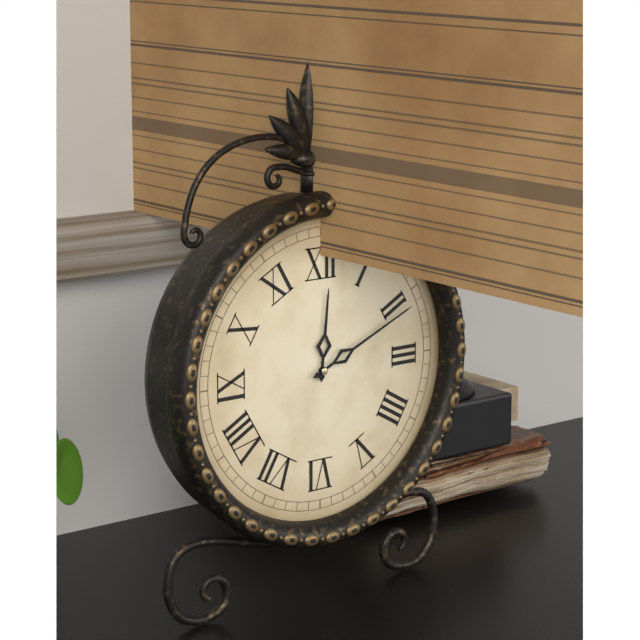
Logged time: **12:11**
